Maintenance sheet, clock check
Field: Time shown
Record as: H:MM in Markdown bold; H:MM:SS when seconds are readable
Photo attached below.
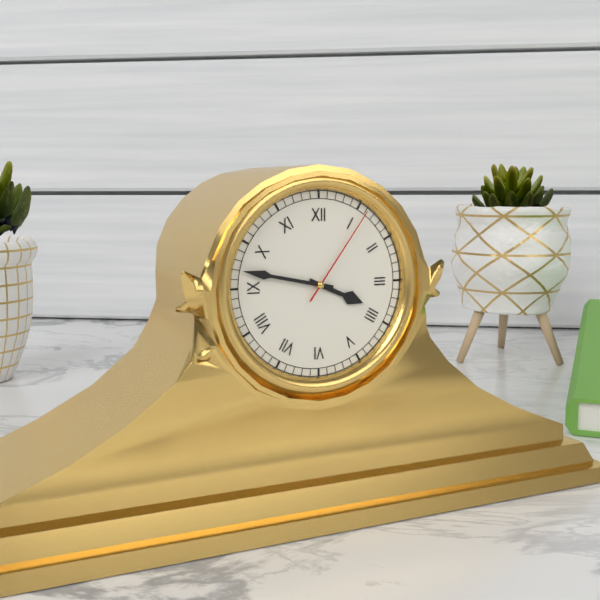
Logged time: **3:47:06**
